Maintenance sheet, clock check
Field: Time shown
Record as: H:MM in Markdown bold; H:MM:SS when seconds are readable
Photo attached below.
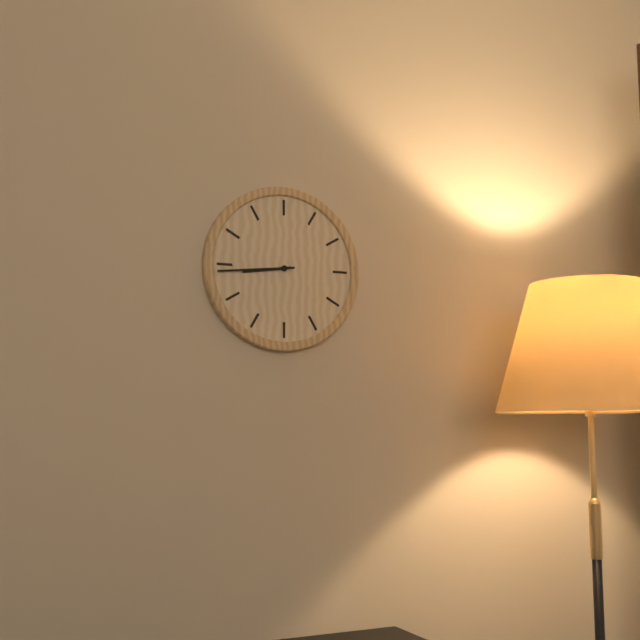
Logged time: **8:44**
